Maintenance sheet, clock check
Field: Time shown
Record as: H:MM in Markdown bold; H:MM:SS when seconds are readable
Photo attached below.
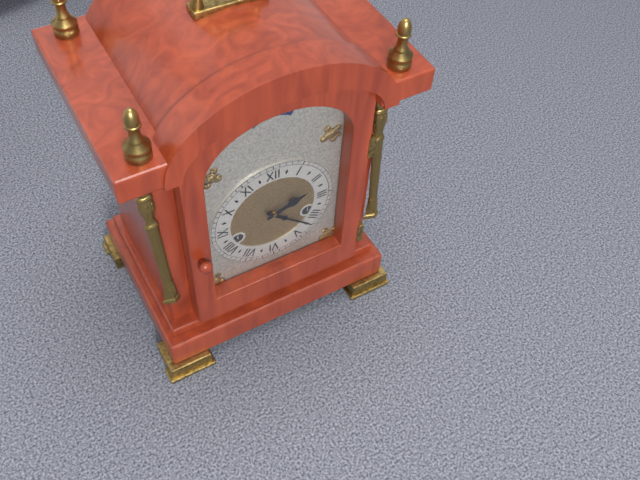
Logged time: **2:22**
